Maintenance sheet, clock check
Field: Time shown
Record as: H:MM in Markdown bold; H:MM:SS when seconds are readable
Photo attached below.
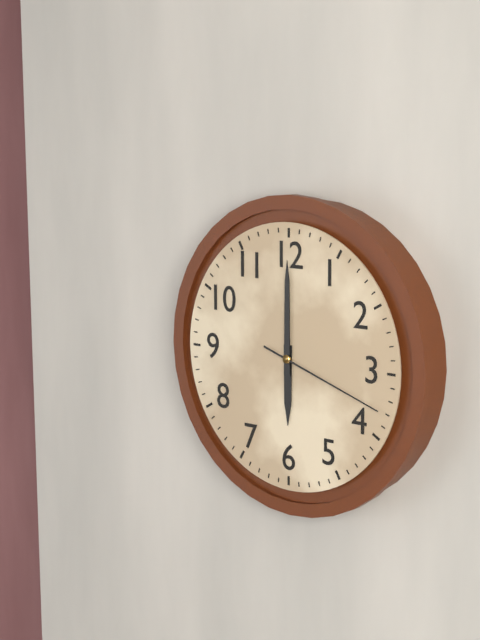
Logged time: **6:00:18**
